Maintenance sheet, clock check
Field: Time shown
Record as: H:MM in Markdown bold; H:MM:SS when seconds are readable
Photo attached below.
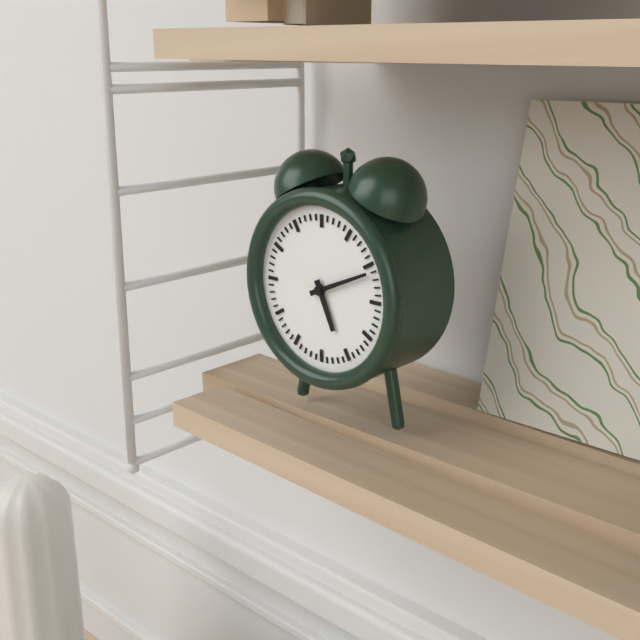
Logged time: **5:11**
